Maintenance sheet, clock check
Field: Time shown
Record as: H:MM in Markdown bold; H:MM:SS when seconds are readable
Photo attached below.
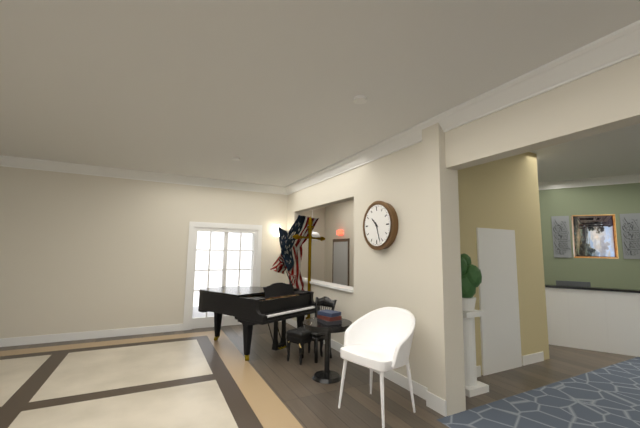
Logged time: **10:27**
